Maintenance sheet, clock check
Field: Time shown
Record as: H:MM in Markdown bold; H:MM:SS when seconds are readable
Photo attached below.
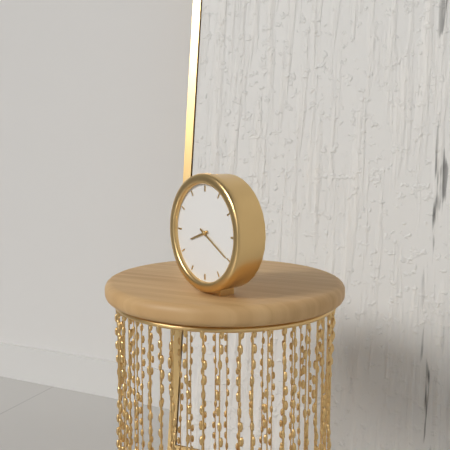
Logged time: **8:20**
